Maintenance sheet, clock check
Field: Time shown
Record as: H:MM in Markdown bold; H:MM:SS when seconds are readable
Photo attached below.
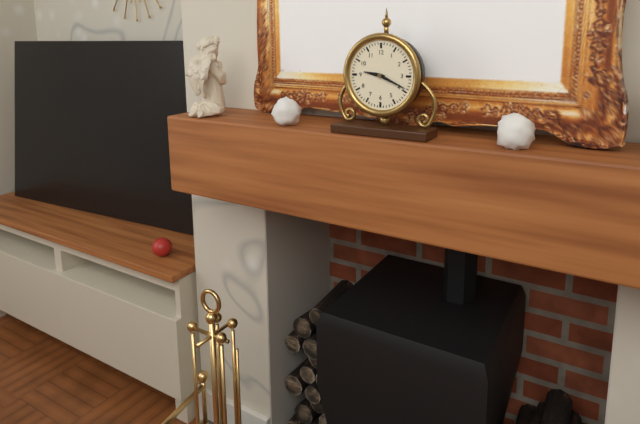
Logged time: **9:19**
